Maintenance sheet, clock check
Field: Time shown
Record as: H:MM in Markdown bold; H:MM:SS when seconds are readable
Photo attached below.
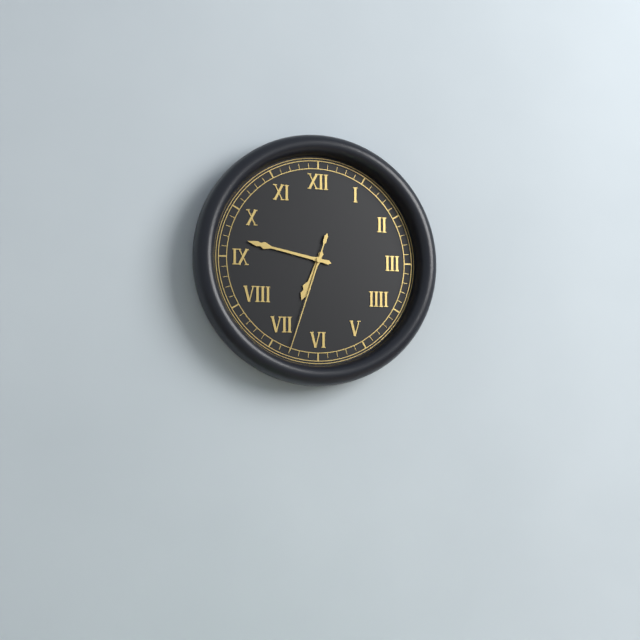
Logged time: **6:47:33**
